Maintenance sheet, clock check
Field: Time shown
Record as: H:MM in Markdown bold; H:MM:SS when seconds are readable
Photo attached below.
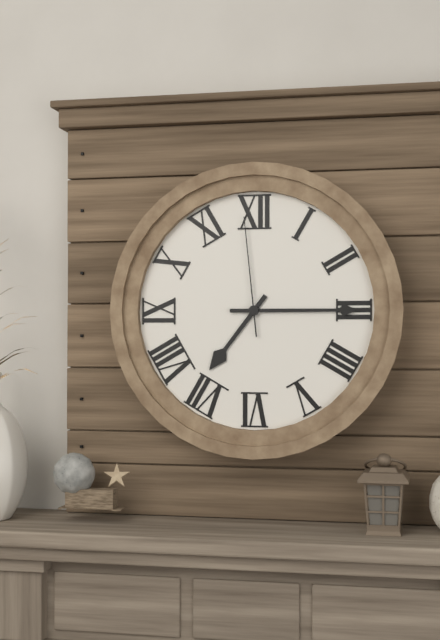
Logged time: **7:15:59**
